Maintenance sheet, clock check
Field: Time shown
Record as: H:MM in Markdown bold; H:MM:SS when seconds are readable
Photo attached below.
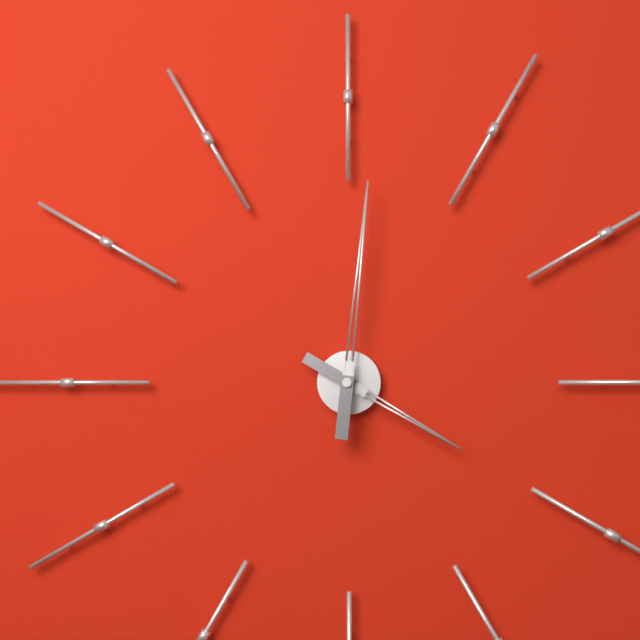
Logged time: **4:01**
